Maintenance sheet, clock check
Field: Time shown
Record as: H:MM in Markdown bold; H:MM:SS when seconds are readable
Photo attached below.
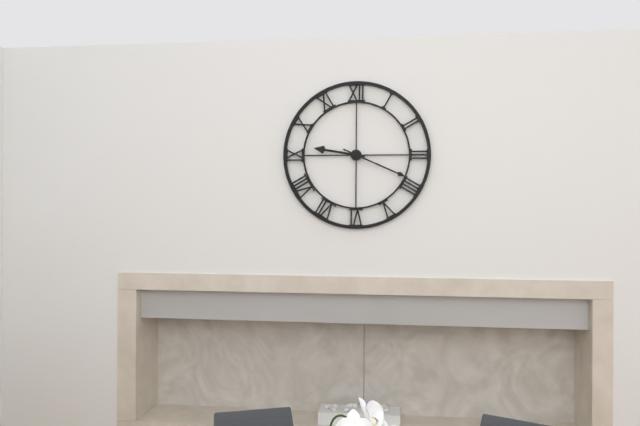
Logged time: **9:19**
